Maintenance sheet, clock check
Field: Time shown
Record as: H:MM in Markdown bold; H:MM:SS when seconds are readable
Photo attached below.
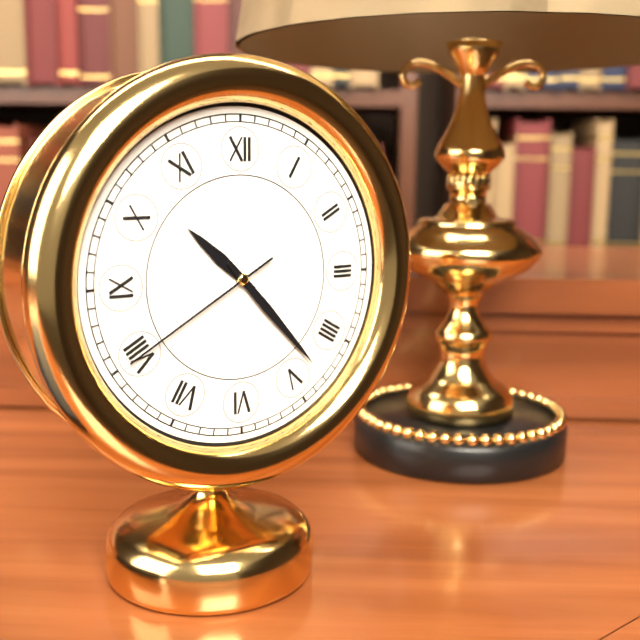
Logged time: **10:23:40**
